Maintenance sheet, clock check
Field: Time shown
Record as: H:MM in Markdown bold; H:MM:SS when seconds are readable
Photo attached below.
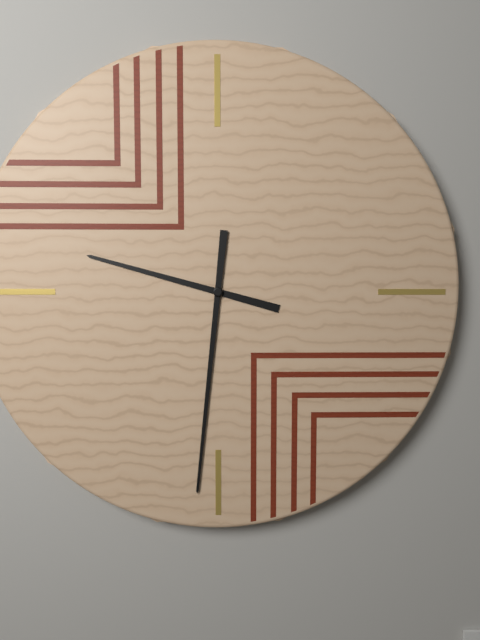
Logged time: **9:31**
